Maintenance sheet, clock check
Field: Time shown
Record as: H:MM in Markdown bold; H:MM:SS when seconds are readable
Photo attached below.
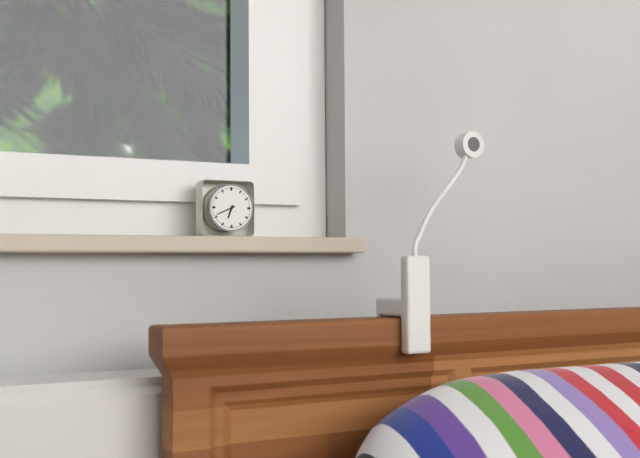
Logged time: **6:41**
